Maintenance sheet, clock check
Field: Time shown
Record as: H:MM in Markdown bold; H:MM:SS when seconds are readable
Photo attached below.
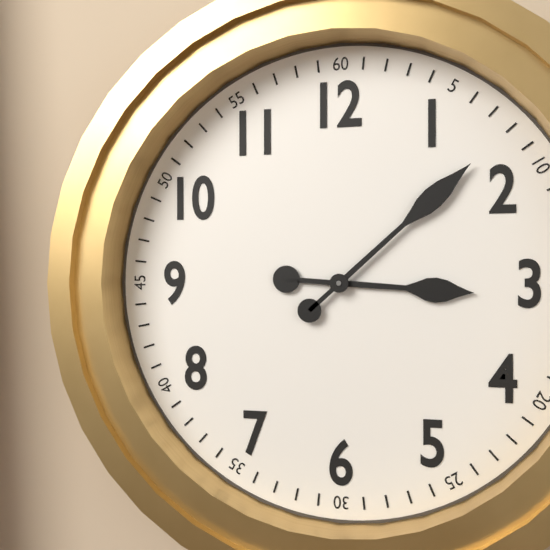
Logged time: **3:08**
